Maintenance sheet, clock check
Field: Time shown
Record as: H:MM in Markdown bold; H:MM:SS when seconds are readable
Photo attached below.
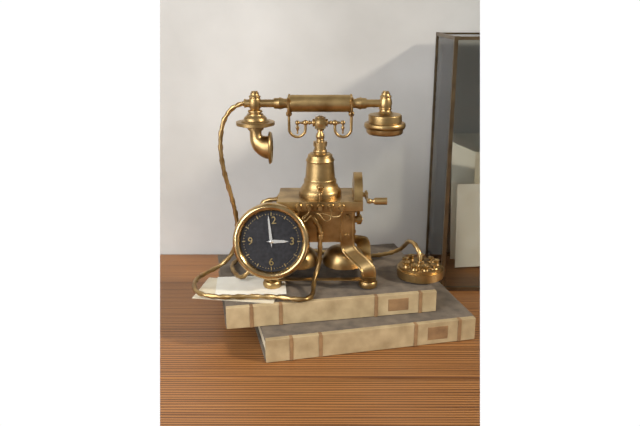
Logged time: **2:59**
